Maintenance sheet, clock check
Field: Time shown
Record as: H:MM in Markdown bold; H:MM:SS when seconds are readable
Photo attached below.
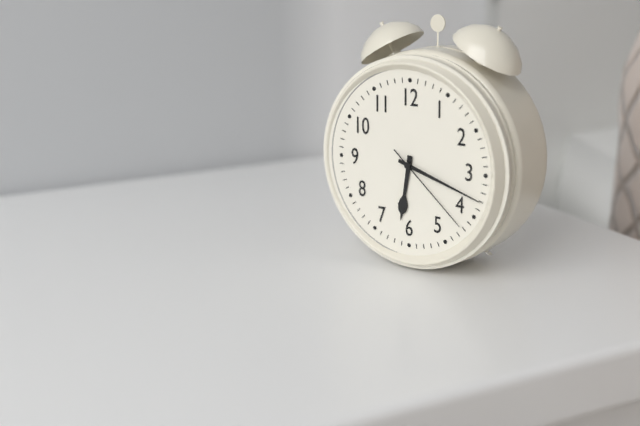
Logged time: **6:18:22**
